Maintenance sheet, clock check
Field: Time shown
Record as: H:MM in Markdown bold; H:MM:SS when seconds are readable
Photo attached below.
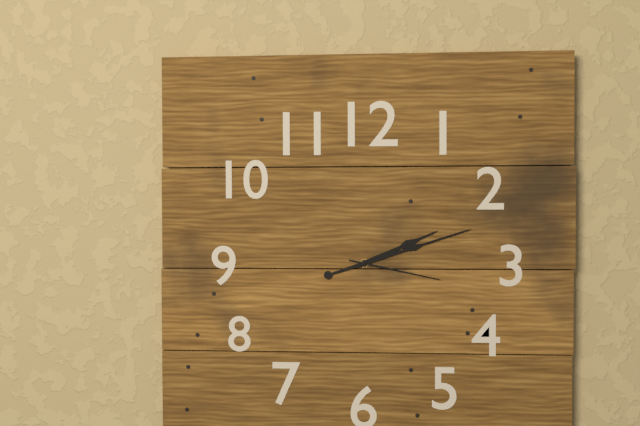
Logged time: **2:12:17**
